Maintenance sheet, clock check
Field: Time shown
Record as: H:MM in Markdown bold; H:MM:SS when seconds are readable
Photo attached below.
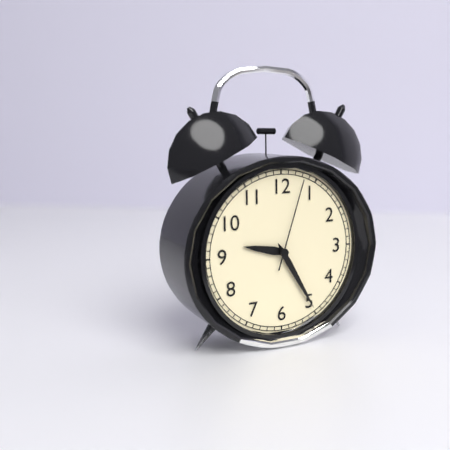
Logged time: **9:25:03**
